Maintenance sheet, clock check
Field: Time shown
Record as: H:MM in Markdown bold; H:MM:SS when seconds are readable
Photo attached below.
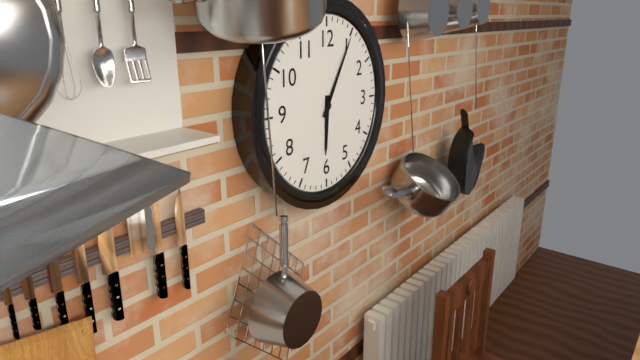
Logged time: **6:05**
